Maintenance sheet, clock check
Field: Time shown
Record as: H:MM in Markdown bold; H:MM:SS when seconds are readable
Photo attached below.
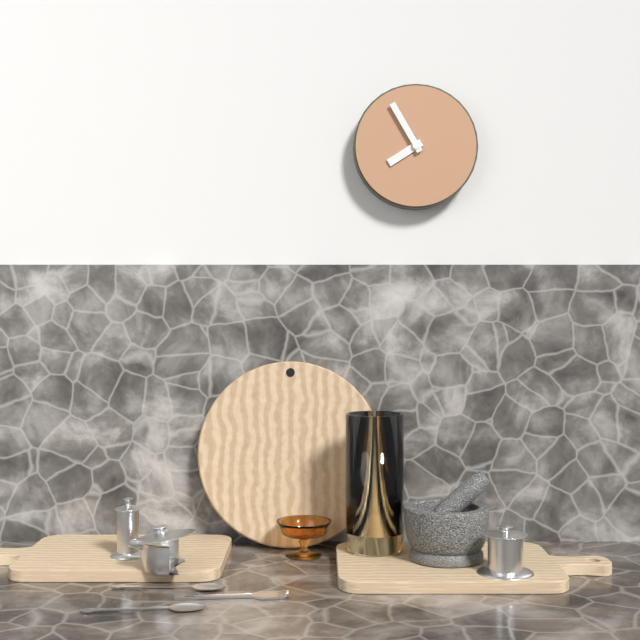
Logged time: **7:55**
